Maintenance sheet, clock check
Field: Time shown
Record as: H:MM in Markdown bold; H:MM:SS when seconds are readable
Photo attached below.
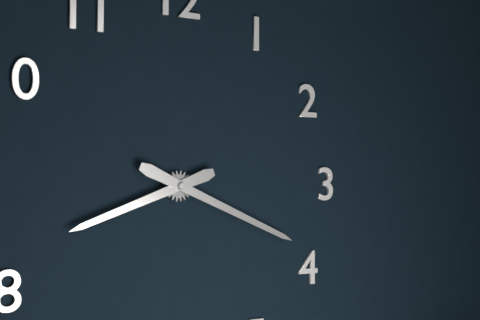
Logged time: **8:19**
